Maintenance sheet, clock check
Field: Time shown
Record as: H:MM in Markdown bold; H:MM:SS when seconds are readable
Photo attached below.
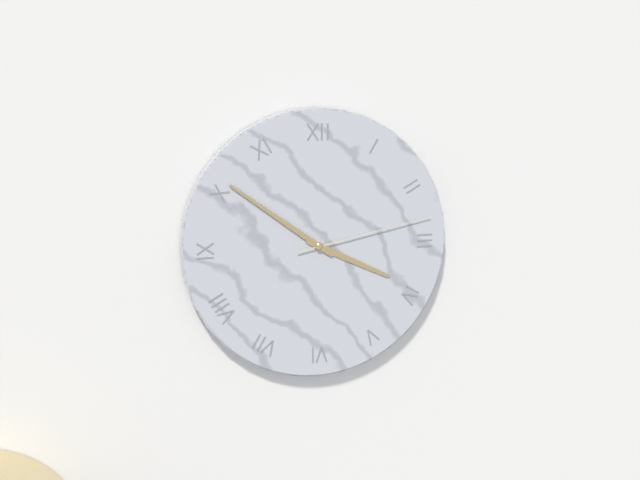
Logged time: **3:51:13**
